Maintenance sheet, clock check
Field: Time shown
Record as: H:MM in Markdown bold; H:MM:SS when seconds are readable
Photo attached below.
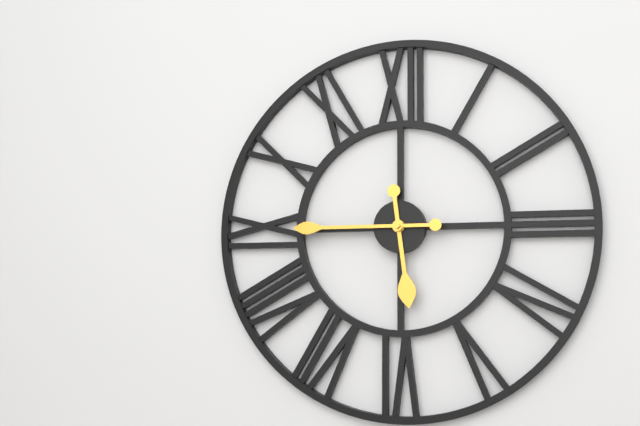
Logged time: **5:45**
